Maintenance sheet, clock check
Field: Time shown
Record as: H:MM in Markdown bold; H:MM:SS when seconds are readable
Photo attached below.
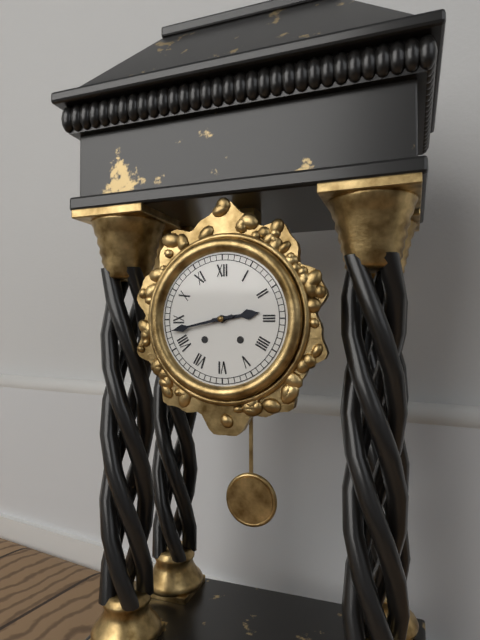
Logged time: **2:43**
